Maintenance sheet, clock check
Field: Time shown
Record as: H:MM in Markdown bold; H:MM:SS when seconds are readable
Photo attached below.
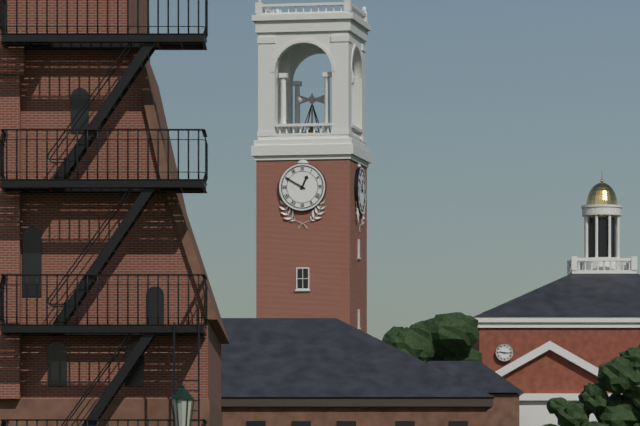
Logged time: **12:50**
